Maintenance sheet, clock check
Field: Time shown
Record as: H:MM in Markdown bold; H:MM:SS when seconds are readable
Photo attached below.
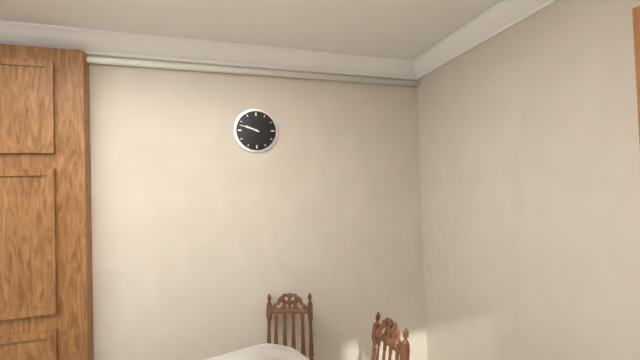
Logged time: **9:48**
